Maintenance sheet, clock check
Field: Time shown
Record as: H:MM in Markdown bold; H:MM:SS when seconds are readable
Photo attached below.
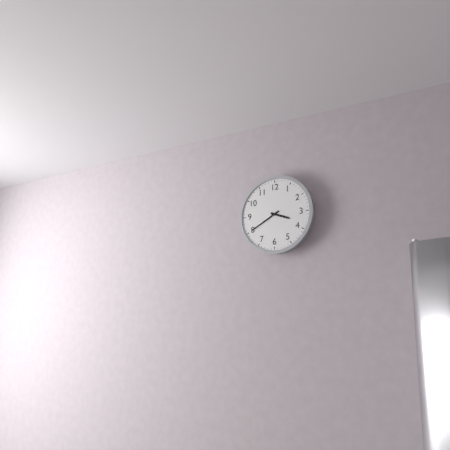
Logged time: **3:40**
